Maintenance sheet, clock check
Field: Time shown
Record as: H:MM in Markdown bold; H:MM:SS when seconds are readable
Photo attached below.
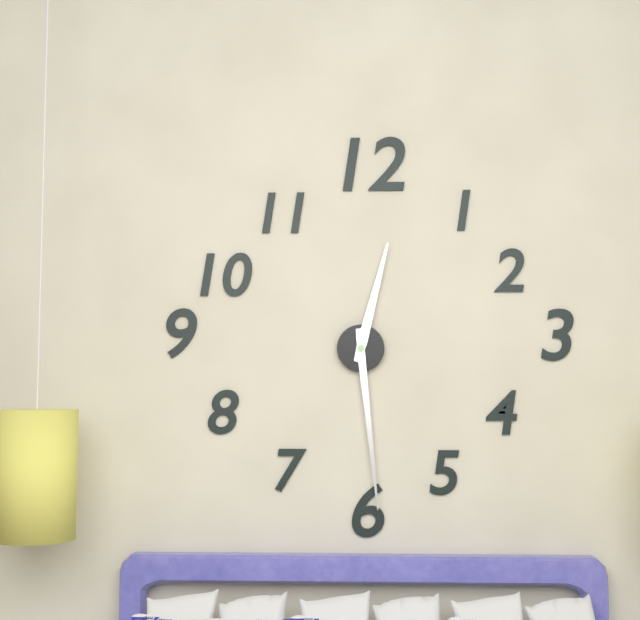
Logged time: **12:29**
